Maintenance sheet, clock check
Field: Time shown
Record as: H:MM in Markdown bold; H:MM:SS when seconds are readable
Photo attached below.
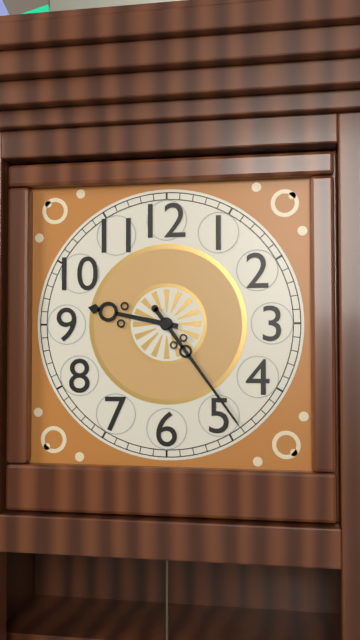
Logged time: **9:24**
